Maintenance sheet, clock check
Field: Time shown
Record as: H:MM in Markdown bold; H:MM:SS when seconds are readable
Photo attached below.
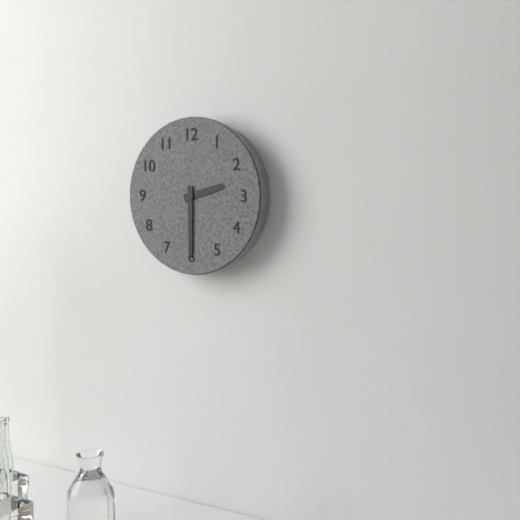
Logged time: **2:30**
